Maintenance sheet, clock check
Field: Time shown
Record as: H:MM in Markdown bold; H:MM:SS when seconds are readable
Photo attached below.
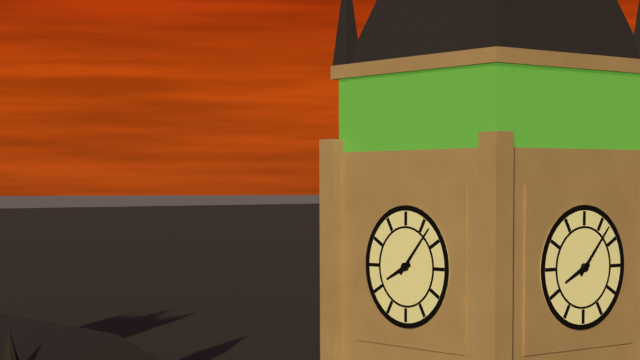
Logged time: **8:07**
